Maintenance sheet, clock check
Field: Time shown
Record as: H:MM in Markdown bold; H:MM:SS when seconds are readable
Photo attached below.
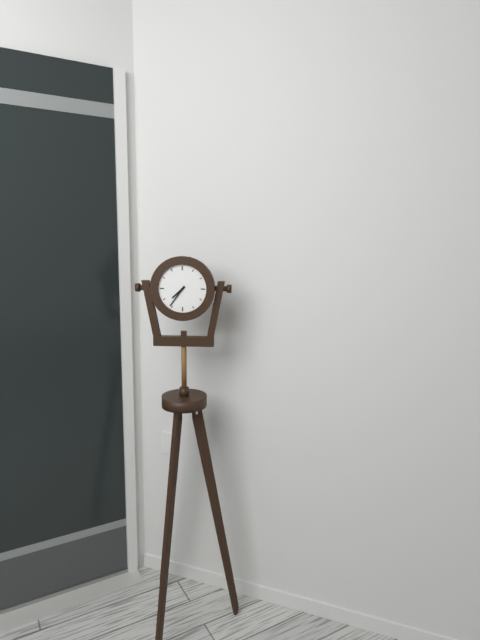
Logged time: **7:36**
